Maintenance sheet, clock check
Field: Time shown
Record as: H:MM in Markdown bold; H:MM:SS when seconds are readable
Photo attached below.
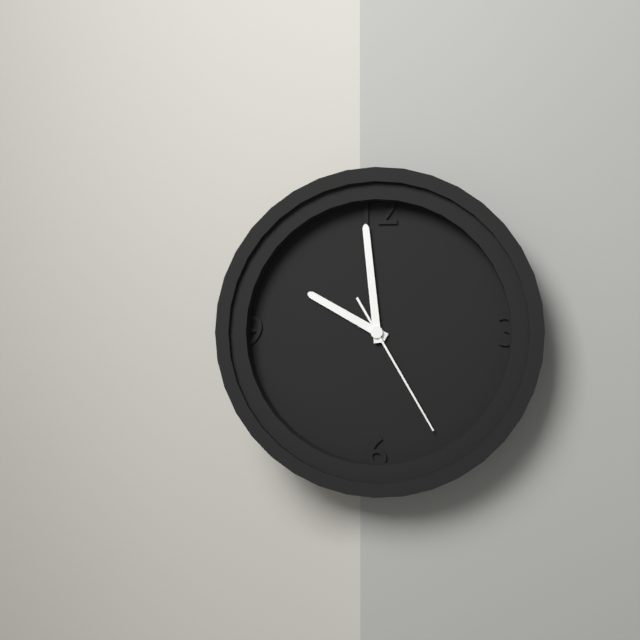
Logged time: **9:59:25**
